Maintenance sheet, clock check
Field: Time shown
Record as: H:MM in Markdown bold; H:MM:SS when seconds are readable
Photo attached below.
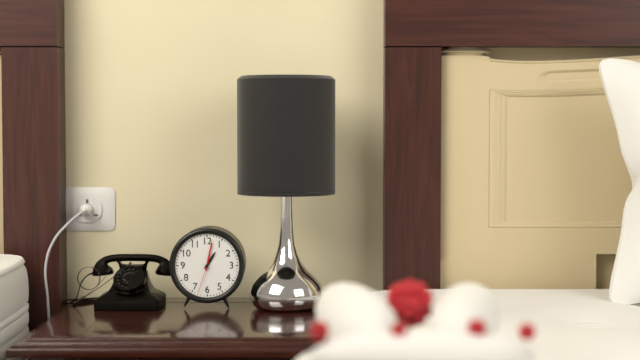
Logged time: **1:02**
